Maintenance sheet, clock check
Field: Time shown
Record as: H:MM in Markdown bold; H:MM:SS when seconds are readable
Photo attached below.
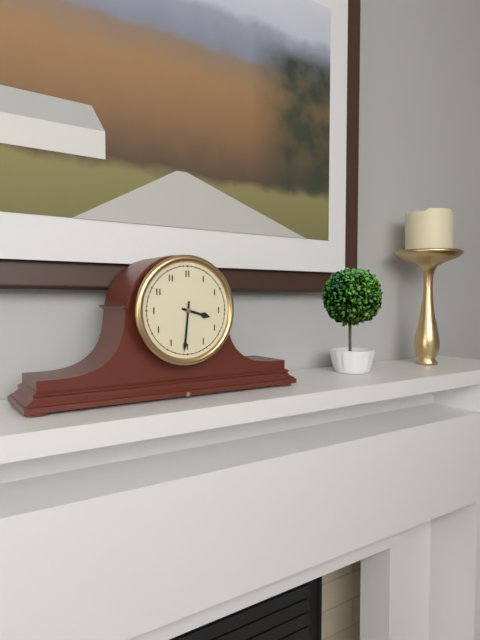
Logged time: **3:31**
